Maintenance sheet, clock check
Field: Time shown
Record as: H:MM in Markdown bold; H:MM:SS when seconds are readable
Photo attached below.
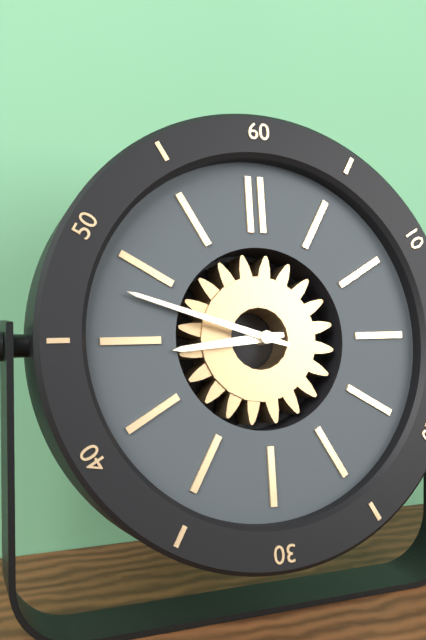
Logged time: **8:48**
